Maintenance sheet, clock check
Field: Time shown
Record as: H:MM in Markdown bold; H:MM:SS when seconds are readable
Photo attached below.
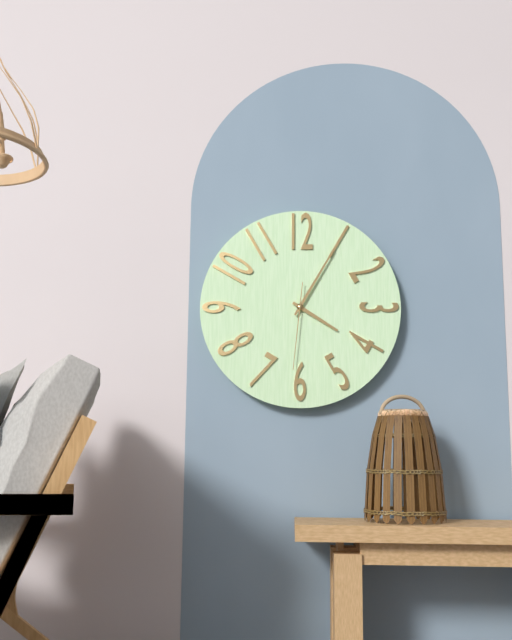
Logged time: **4:05:31**
